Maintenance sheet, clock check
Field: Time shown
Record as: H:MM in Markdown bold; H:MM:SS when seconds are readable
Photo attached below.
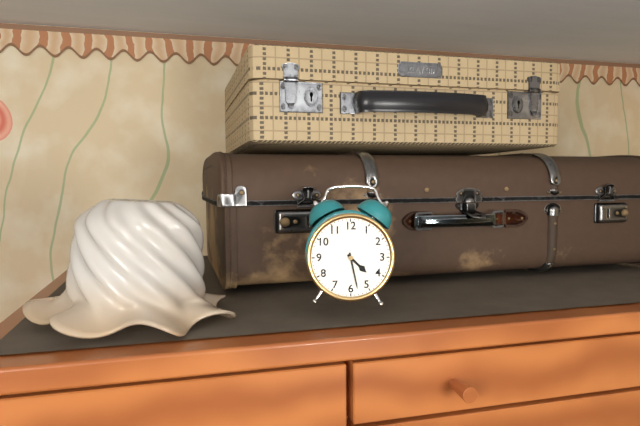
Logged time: **4:28**
